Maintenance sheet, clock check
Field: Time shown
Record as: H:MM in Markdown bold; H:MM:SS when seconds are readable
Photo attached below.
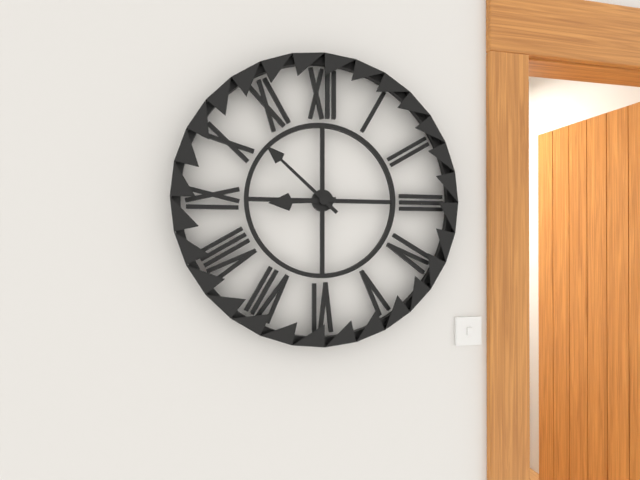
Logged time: **8:52**
